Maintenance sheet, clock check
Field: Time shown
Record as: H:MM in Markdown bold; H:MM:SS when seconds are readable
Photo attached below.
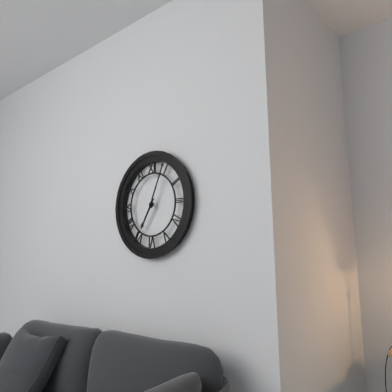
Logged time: **7:04**
